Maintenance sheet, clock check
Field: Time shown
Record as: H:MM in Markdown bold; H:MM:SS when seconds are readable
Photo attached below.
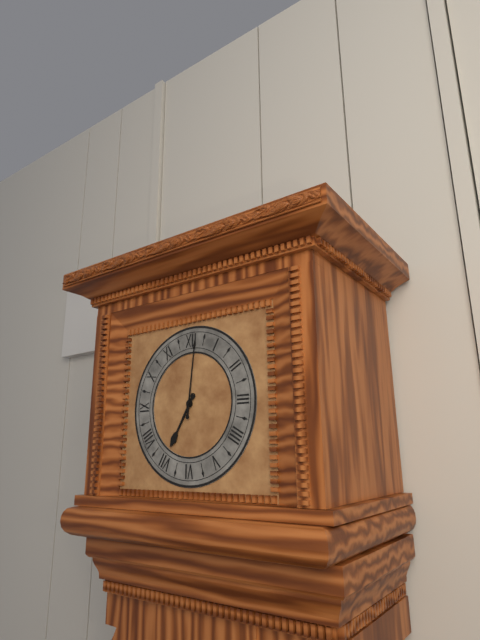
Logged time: **7:01**
